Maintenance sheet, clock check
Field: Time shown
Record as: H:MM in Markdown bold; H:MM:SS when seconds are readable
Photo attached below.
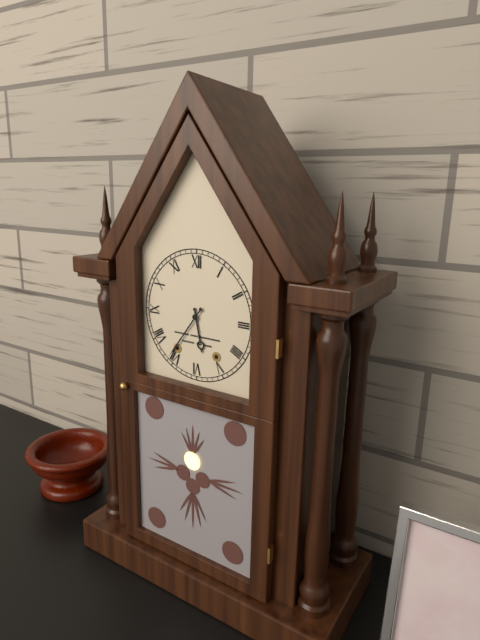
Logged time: **5:36**
